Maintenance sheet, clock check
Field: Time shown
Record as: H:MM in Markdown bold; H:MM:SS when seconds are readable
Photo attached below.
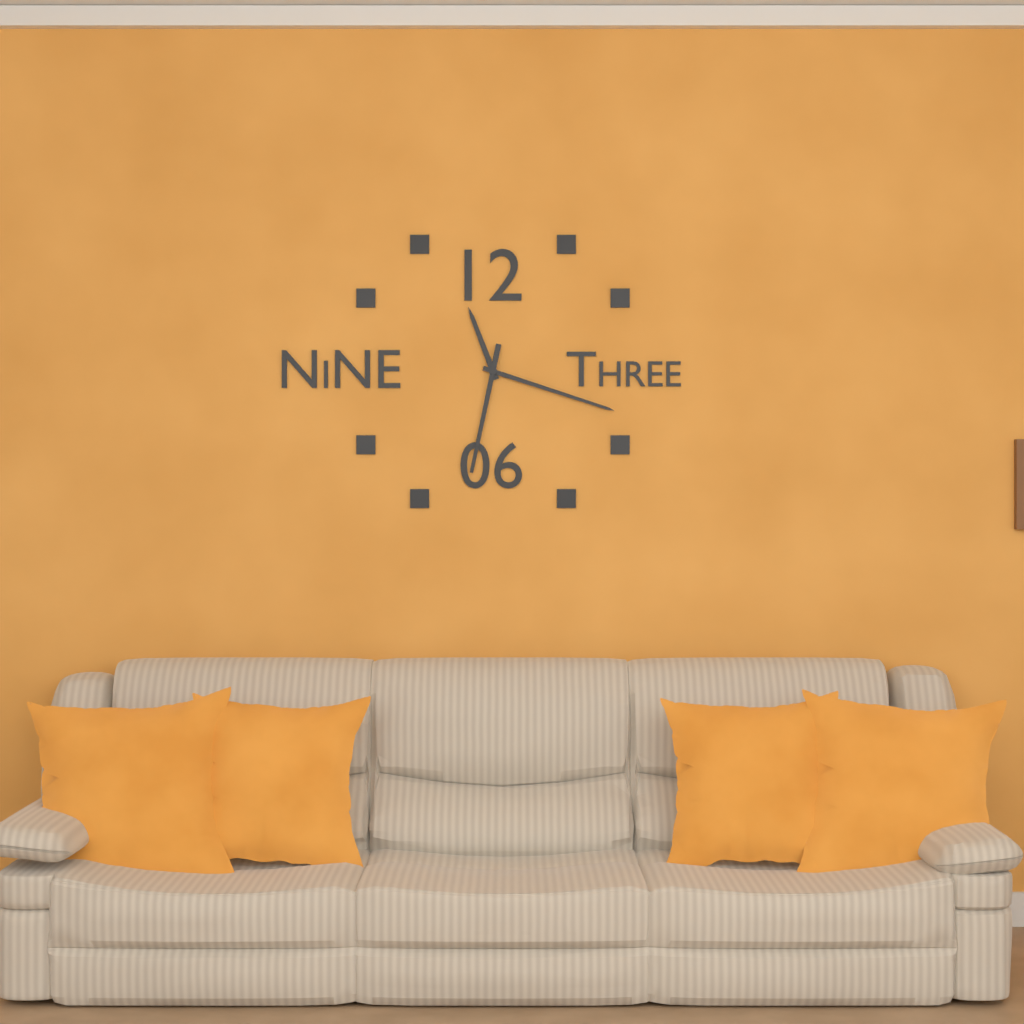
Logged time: **11:18:32**
